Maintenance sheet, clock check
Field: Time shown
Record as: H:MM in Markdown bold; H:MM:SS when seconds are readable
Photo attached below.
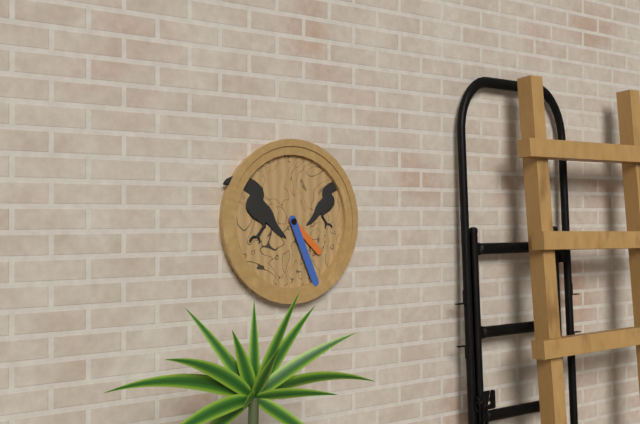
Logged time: **4:26**
